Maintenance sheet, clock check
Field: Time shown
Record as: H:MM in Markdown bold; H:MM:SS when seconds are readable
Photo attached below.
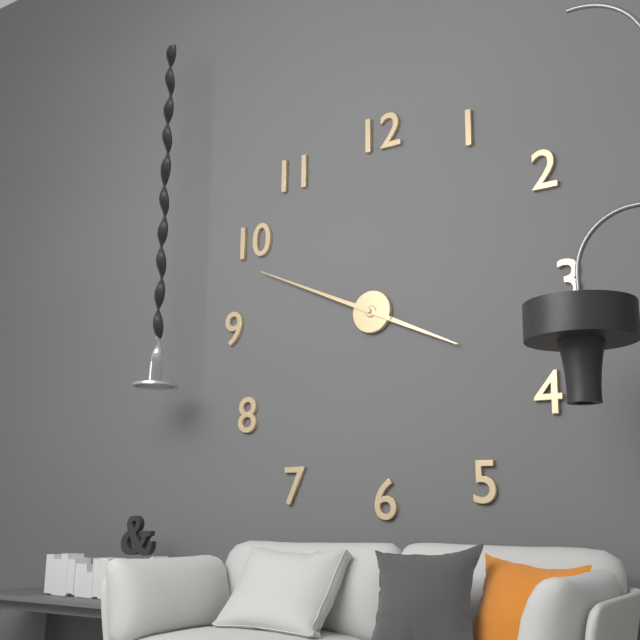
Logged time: **3:49**
